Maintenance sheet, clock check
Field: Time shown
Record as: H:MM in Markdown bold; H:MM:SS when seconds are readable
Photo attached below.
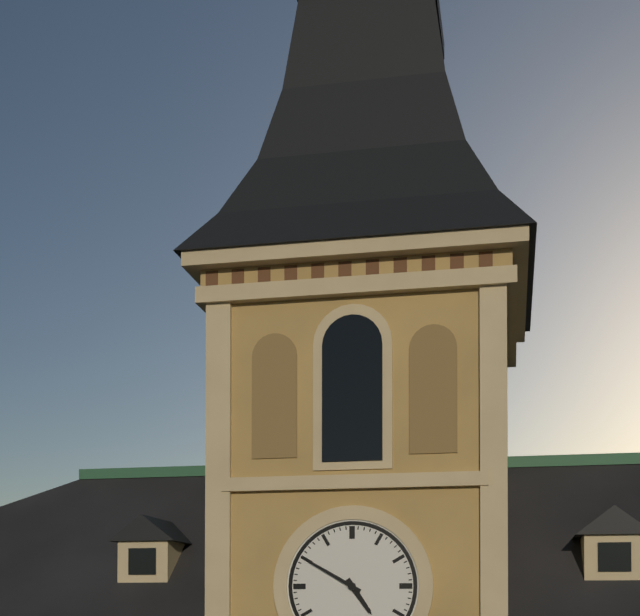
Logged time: **4:50**
